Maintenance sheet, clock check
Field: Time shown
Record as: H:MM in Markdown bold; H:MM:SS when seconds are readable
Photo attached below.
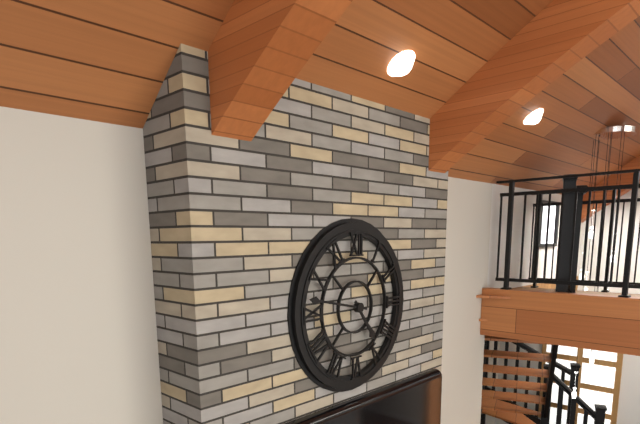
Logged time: **4:47**
